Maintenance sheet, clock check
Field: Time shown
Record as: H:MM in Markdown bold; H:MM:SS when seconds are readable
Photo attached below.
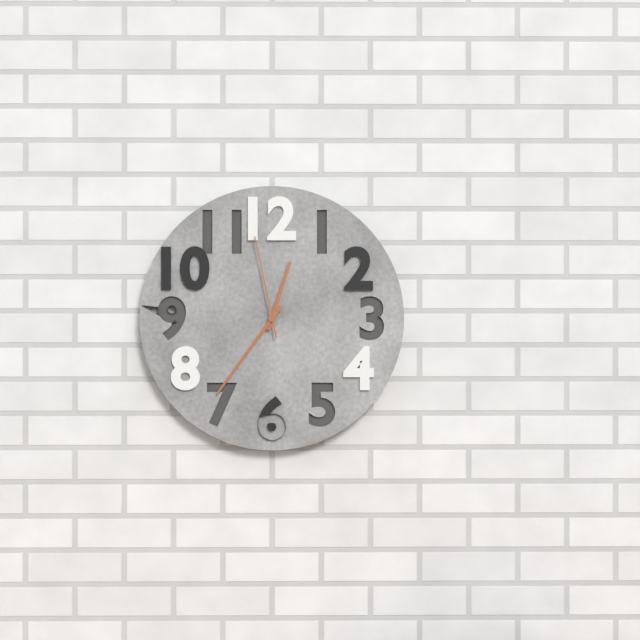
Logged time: **12:36:58**
